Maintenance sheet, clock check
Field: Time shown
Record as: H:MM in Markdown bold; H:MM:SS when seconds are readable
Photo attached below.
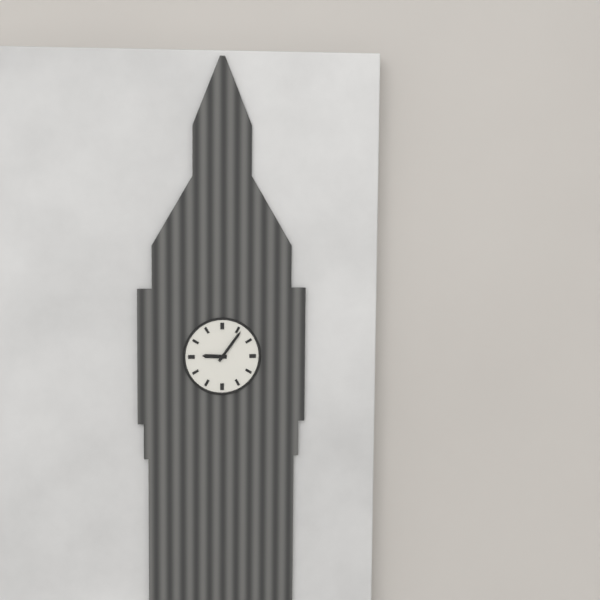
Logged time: **9:06**
